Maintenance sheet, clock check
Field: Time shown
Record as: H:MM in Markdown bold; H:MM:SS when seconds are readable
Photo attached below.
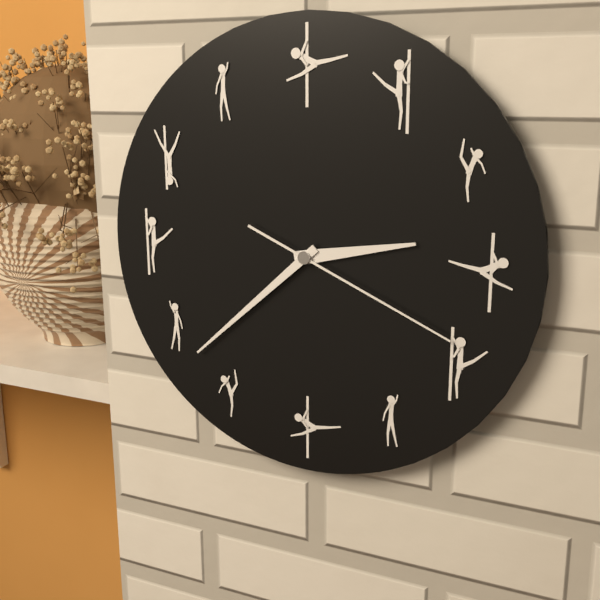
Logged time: **2:38:19**
